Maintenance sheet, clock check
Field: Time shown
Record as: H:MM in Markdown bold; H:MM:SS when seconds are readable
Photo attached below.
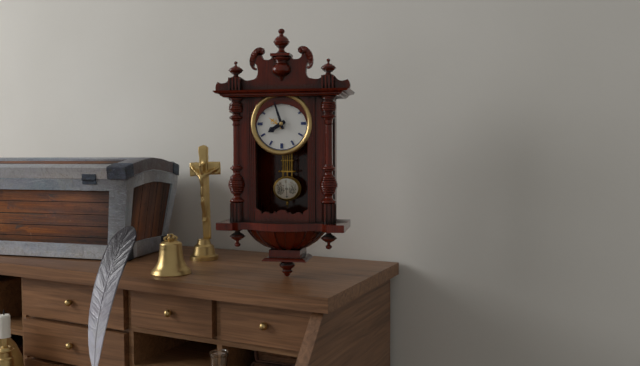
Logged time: **7:57**
